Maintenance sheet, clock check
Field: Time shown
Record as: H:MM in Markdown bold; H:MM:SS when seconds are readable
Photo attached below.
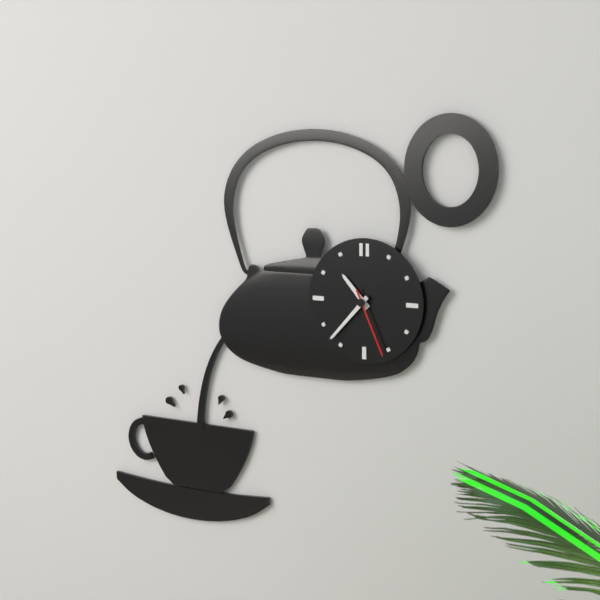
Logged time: **10:37:26**
